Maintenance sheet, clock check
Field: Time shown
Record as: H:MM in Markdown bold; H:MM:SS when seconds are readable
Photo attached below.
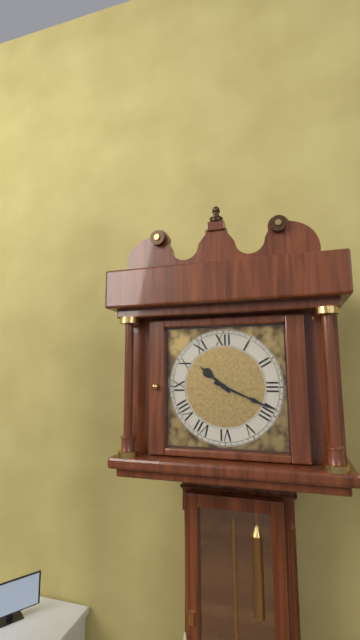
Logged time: **10:19**
